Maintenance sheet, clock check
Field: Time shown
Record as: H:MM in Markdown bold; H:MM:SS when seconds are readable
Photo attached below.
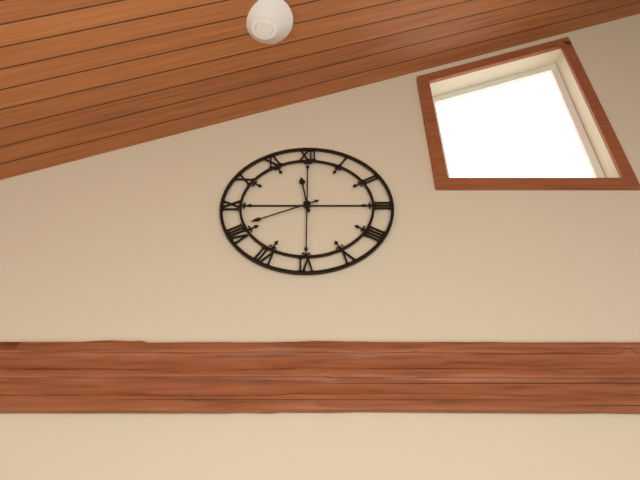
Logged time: **11:41**
